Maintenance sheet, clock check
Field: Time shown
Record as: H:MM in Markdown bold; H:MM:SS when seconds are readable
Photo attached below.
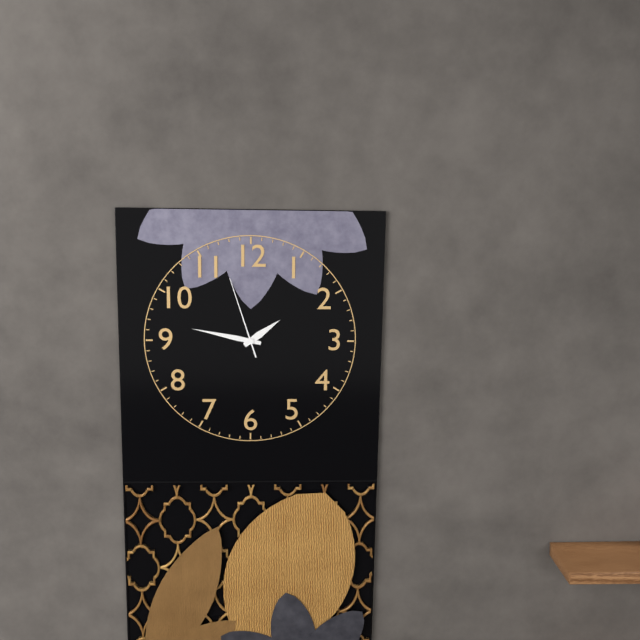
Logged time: **1:47:57**
